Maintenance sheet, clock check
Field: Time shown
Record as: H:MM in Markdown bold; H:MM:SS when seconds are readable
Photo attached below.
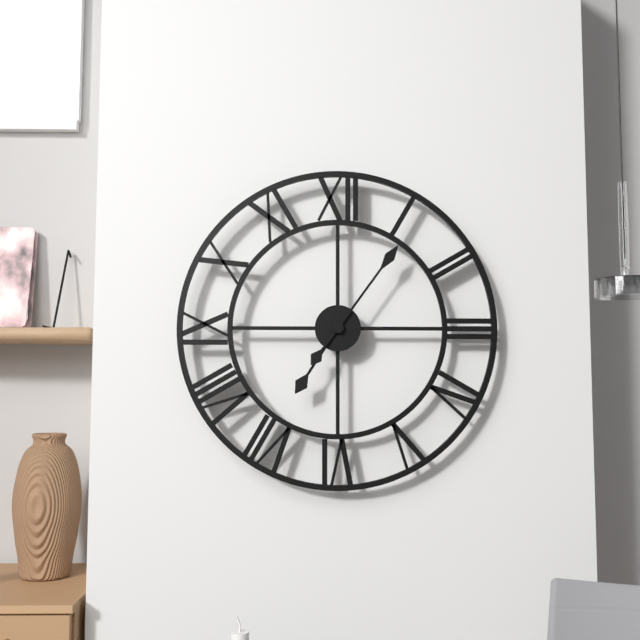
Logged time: **7:06**
